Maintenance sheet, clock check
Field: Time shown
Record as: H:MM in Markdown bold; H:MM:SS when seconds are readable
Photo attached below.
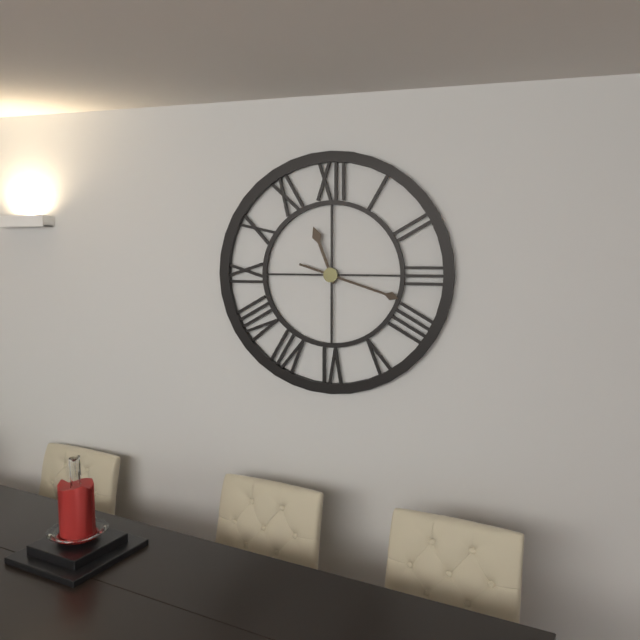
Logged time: **11:18**
